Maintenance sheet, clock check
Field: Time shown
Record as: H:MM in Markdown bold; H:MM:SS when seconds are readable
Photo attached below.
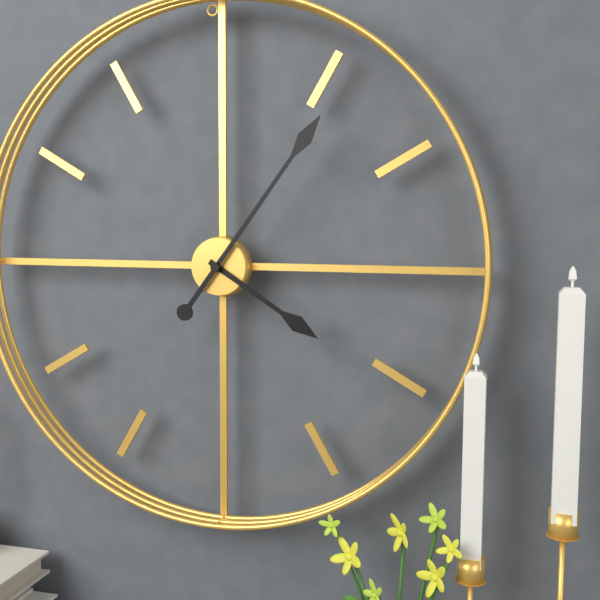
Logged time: **4:06**
